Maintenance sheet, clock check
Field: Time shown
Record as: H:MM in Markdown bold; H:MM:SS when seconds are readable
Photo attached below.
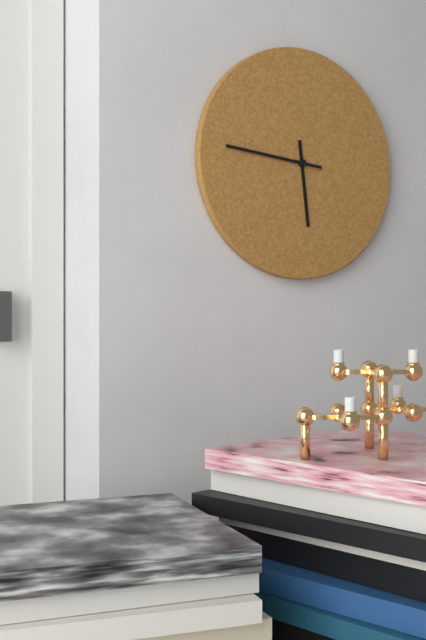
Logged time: **5:46**
